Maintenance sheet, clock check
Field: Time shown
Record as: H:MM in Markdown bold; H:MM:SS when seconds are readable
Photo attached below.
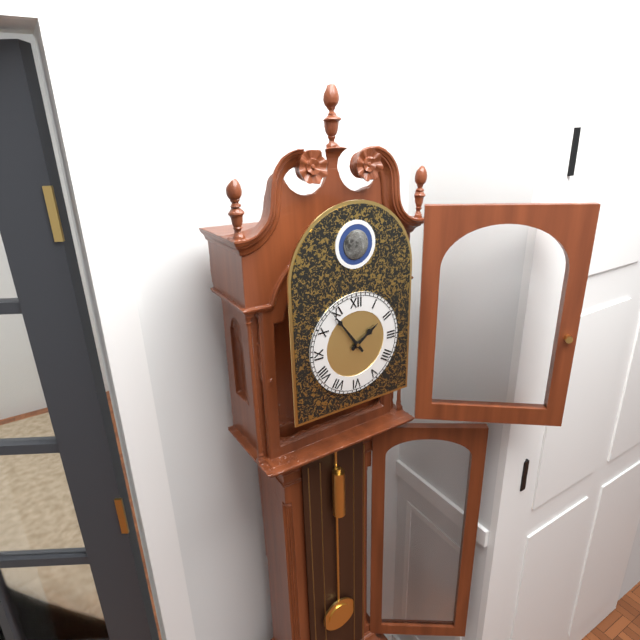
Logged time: **1:54**
